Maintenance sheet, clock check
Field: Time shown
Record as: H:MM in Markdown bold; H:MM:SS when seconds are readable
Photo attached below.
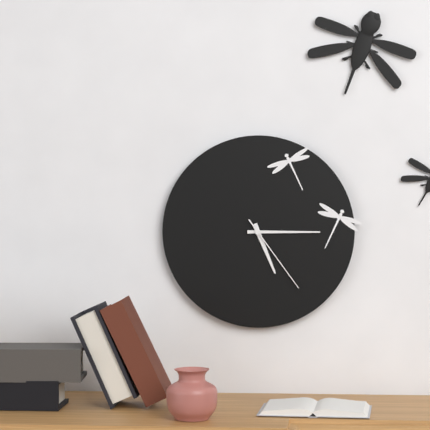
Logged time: **5:15:24**
